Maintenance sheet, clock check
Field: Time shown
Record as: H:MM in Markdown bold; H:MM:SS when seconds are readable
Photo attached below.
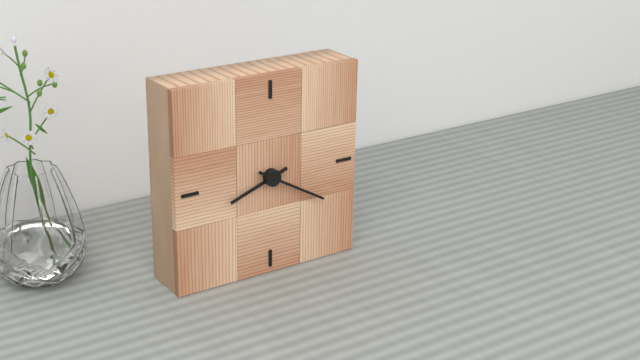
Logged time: **8:20**
